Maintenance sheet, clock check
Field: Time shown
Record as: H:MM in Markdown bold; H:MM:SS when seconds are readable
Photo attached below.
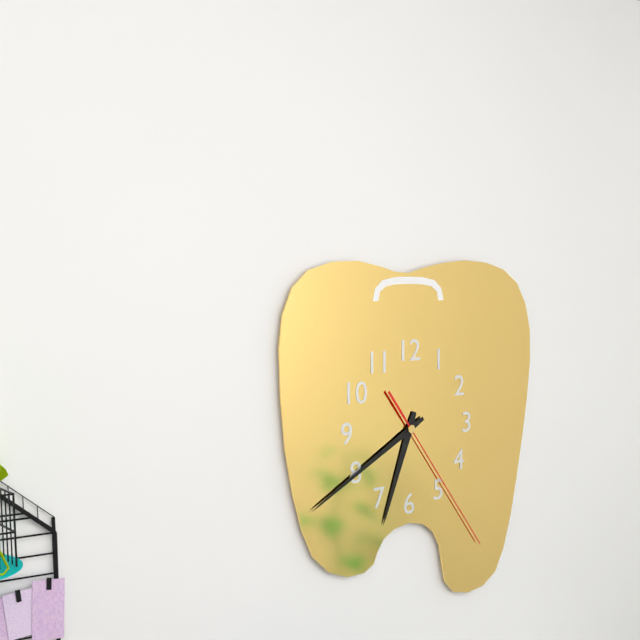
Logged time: **6:40:24**
